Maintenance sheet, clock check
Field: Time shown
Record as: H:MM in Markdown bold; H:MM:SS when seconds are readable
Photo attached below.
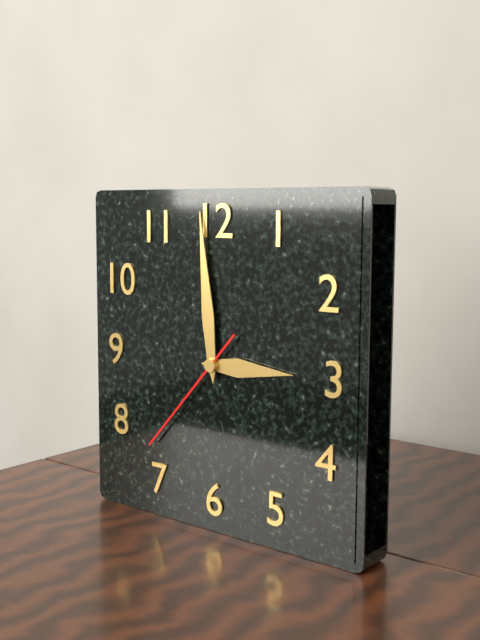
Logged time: **2:59:37**
